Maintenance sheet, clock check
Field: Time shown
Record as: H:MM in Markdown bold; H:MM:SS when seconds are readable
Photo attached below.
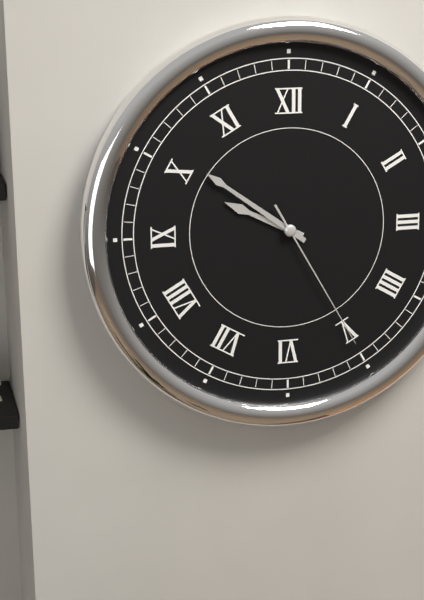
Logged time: **9:51:25**
